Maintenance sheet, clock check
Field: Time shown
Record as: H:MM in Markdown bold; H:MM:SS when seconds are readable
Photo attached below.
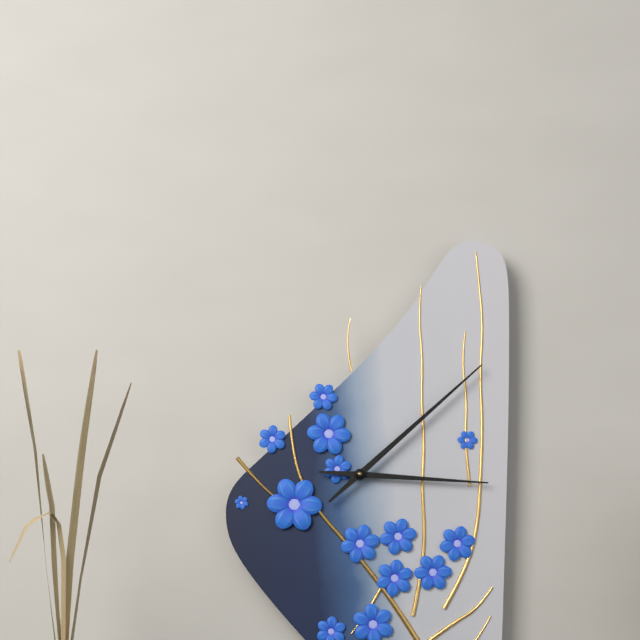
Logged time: **3:08**
